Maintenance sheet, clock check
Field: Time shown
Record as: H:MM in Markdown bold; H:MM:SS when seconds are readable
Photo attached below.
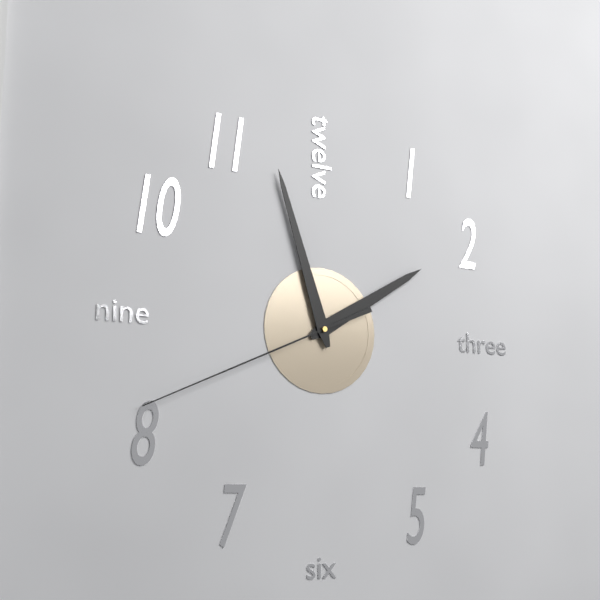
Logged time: **1:57:41**
